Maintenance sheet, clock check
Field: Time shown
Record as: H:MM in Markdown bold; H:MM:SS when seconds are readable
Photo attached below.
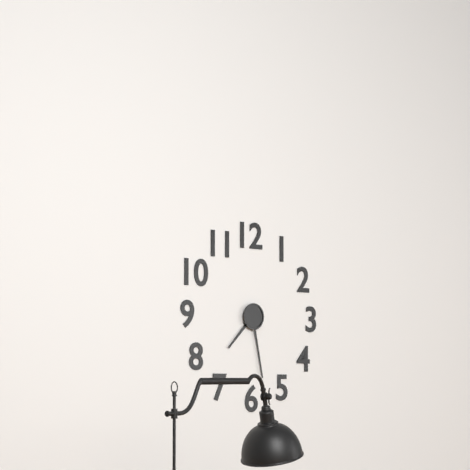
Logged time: **7:28**
